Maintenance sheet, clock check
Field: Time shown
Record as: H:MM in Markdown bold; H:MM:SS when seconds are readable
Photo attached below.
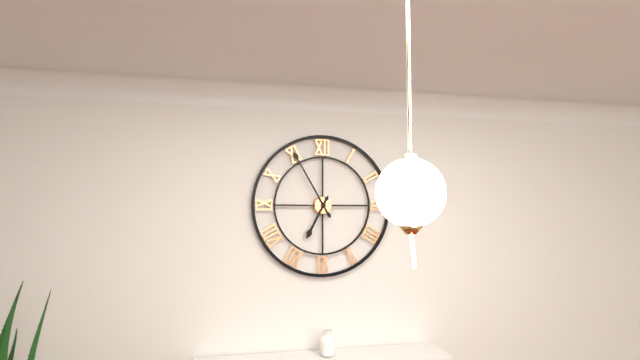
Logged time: **6:55**
